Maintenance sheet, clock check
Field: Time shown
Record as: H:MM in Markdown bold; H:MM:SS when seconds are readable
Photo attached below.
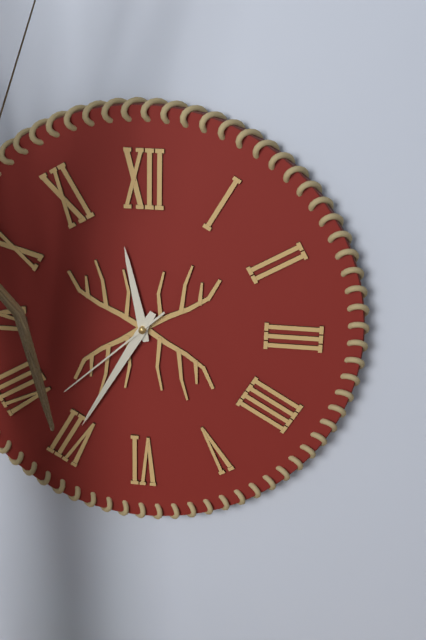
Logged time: **11:35:38**
